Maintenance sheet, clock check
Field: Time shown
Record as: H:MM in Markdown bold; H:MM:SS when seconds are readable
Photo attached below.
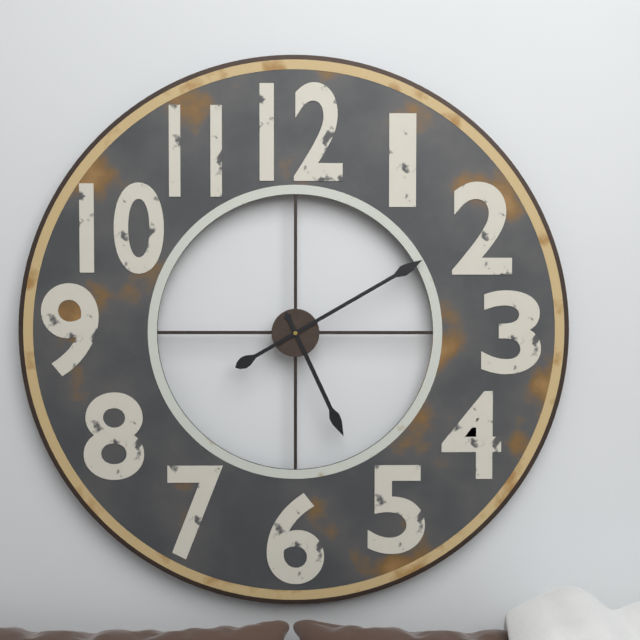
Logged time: **5:10**
